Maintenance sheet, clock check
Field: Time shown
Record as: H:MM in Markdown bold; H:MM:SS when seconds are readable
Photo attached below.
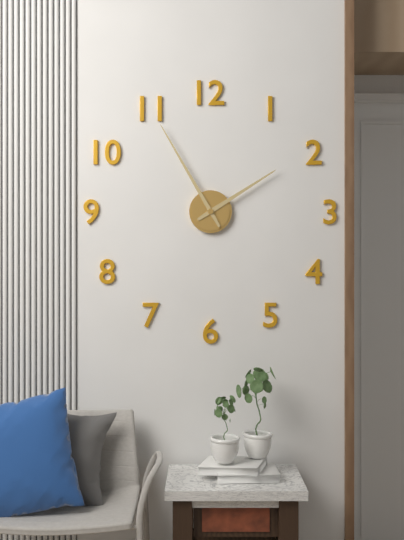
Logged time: **1:55**
